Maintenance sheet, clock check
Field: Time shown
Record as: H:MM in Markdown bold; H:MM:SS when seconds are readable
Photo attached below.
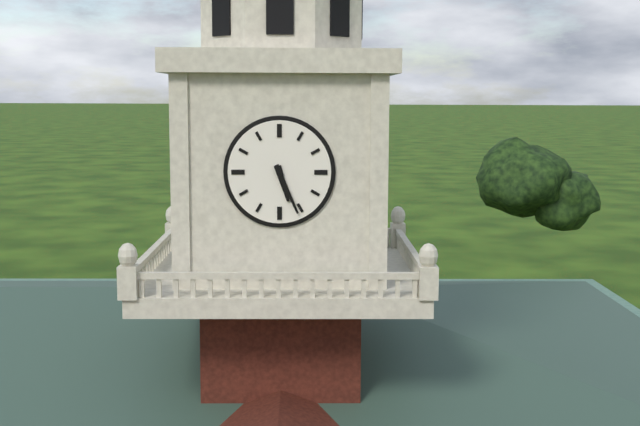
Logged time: **5:26**
